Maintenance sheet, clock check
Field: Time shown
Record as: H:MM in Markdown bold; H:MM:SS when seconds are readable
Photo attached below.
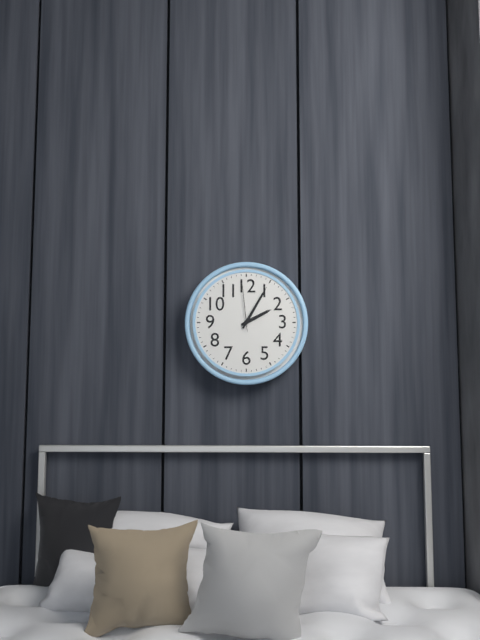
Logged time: **2:05:59**
